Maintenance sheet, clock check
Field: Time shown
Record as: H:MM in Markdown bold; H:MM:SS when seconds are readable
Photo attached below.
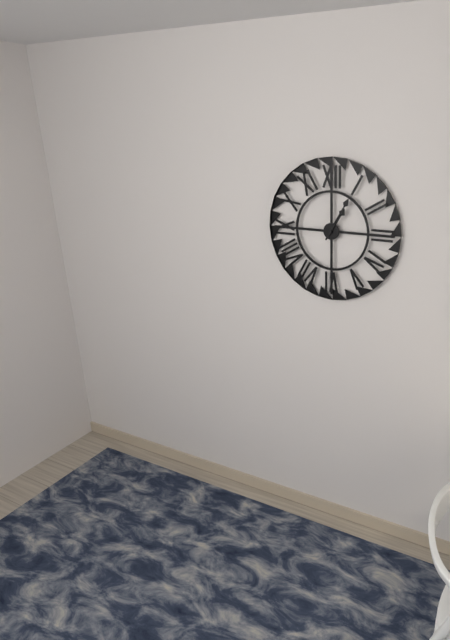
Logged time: **1:05**
